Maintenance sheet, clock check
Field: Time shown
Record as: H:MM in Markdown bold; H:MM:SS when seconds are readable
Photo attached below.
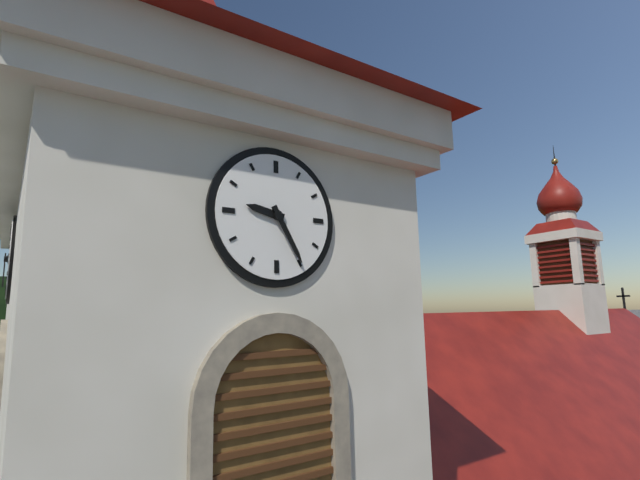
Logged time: **9:25**
